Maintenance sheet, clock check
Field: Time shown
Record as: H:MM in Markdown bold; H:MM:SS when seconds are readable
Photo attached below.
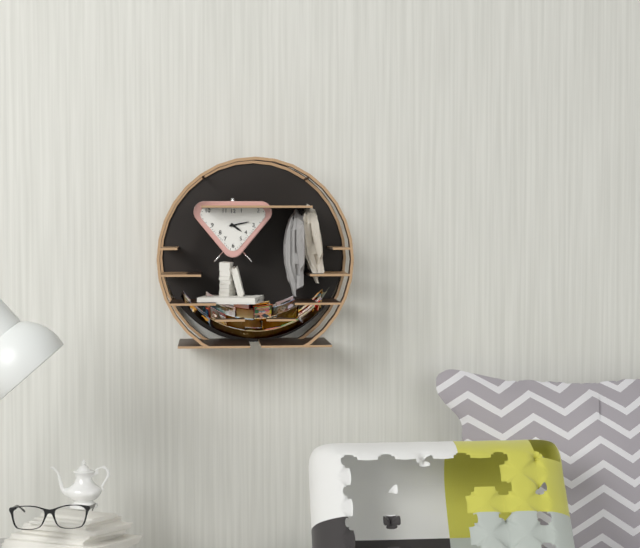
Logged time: **4:13**
